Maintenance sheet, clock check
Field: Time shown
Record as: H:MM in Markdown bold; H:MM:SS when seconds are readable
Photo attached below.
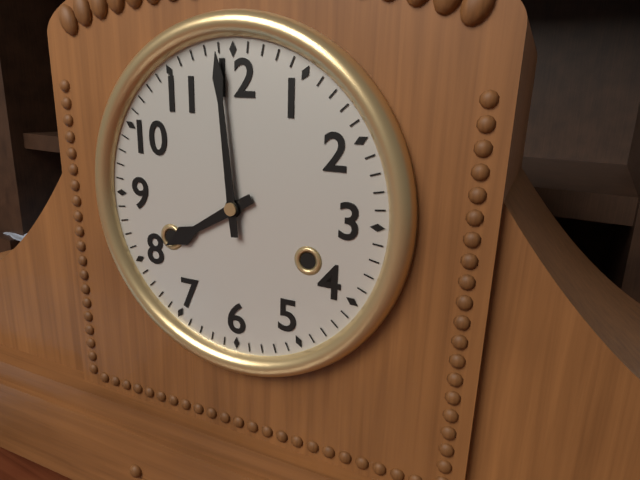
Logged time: **7:59**
